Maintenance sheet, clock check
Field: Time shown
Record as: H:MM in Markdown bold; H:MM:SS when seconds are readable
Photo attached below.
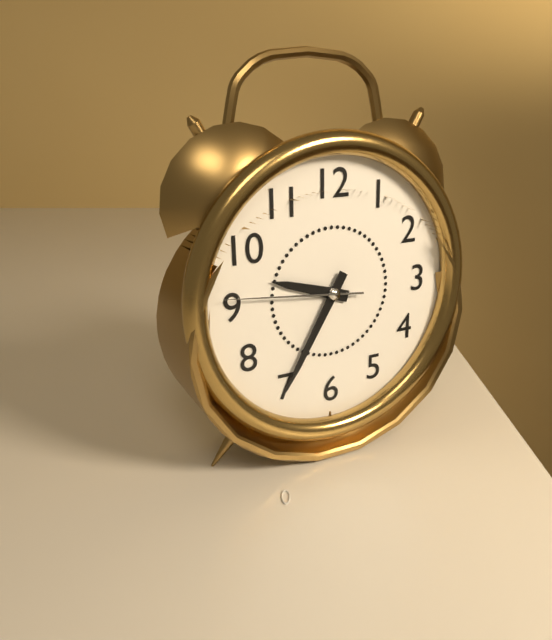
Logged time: **9:35:46**
